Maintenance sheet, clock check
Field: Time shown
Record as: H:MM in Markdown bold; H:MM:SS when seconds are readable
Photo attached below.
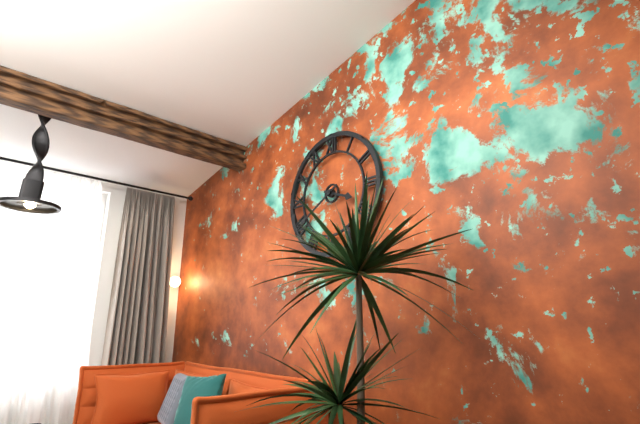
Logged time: **3:40**
